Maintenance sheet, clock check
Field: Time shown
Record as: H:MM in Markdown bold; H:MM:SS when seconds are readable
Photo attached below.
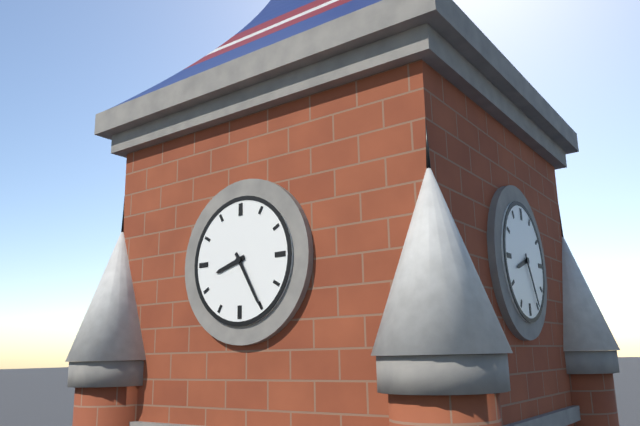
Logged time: **8:25**
